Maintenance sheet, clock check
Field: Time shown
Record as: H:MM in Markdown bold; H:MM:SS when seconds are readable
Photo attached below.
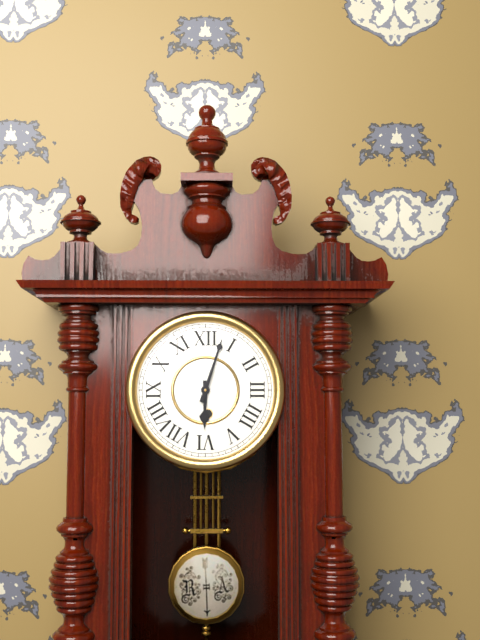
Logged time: **6:03**
